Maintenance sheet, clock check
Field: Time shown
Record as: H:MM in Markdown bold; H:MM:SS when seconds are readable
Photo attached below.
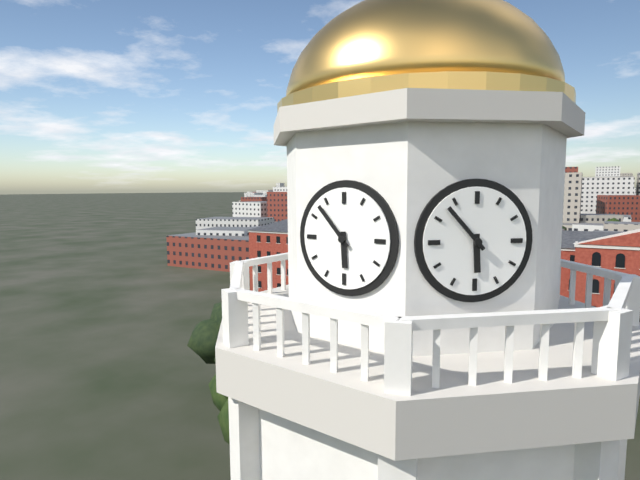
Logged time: **5:53**
